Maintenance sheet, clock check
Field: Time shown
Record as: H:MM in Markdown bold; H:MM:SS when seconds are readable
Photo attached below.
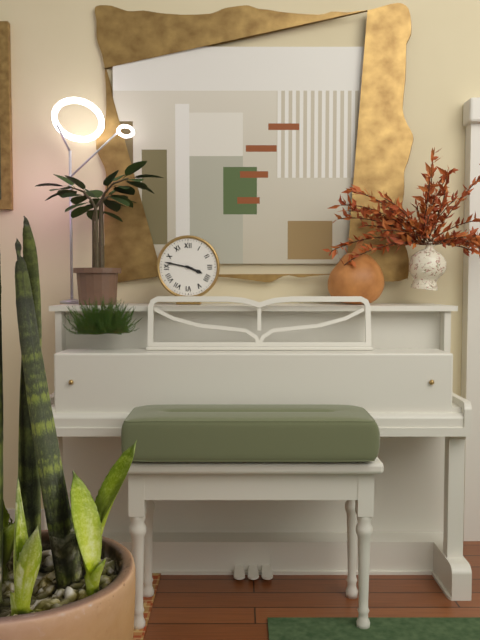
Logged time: **3:47**
